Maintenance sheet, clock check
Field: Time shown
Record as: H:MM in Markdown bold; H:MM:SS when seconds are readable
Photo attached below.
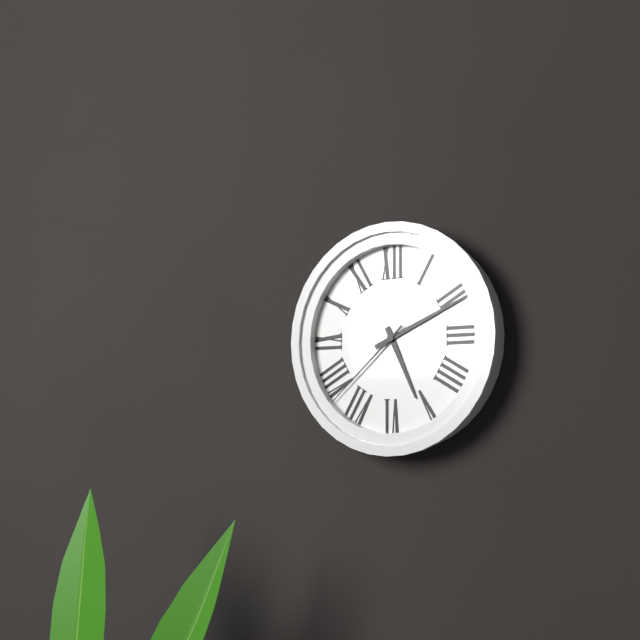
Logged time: **5:11:38**
